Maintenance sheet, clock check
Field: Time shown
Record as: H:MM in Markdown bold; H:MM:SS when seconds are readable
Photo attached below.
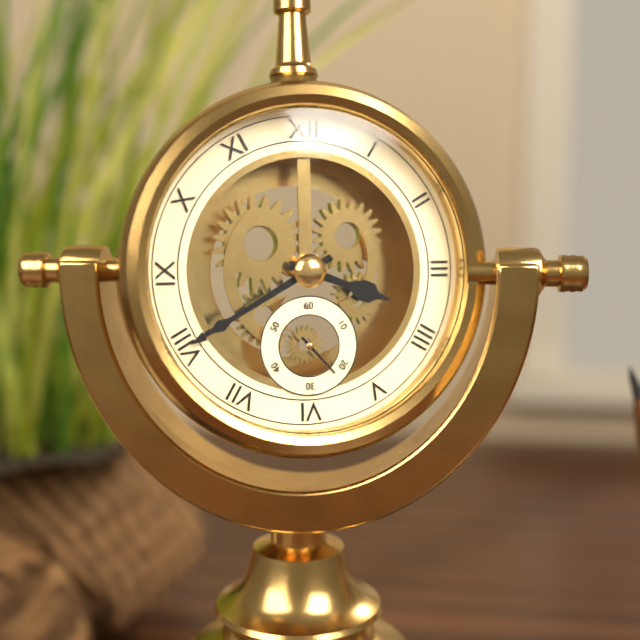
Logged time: **3:40**
